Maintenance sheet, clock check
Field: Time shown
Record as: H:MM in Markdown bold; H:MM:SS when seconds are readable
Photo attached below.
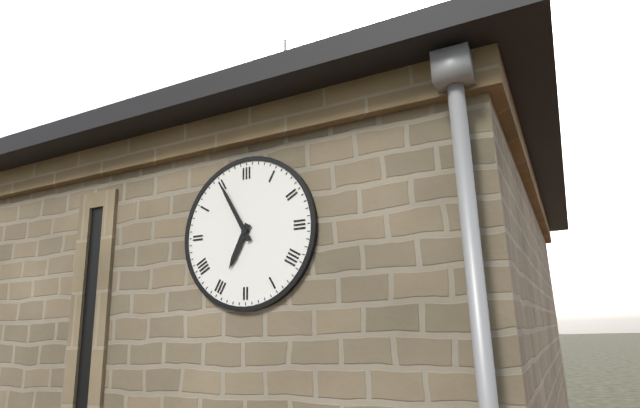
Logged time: **6:55**
